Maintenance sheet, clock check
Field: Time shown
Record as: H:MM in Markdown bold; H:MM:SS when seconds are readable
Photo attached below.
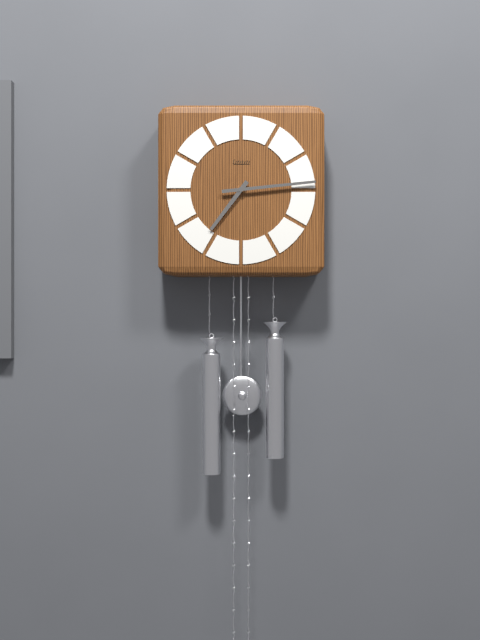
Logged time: **7:14**
